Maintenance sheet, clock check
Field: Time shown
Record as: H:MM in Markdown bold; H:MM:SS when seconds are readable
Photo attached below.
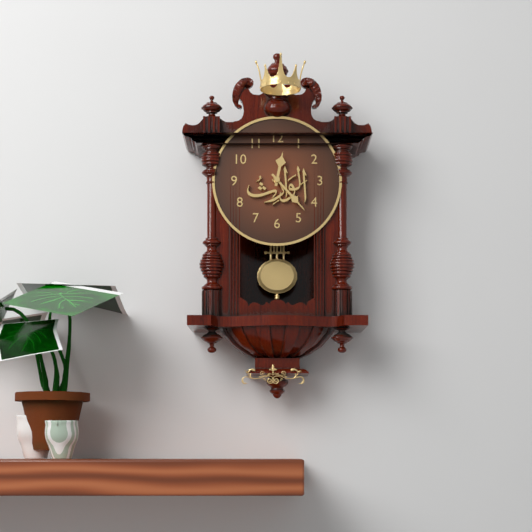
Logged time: **12:23**
